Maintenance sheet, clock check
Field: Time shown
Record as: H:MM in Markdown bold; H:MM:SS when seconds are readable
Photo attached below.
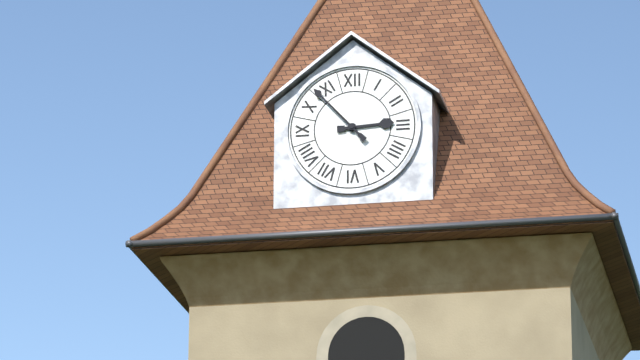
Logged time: **2:53**
